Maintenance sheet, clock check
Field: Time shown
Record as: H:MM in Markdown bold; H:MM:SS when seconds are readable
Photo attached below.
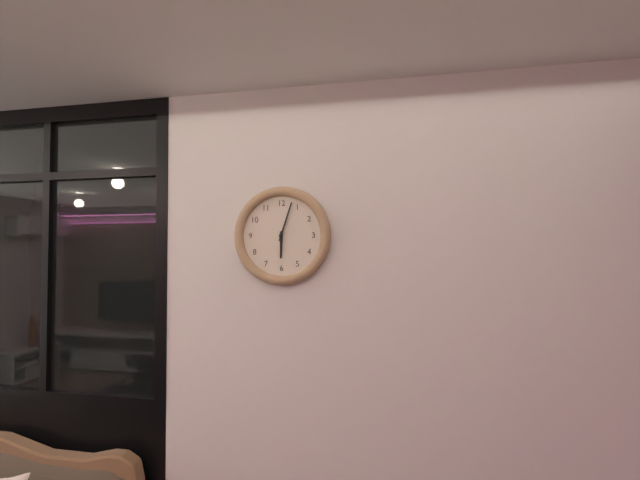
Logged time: **6:03**
